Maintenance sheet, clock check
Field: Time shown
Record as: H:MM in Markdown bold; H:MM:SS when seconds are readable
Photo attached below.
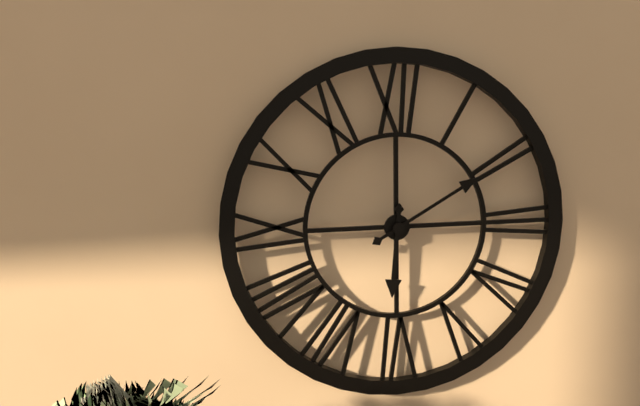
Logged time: **6:10**
